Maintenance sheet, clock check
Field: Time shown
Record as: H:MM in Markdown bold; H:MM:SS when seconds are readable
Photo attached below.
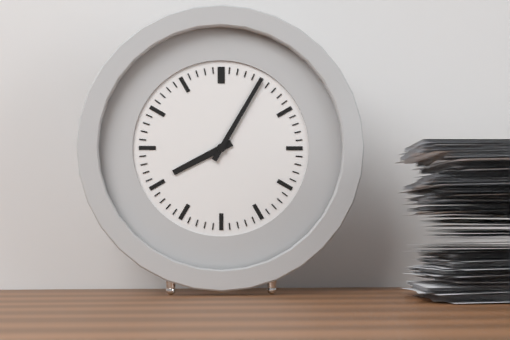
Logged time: **8:05**
